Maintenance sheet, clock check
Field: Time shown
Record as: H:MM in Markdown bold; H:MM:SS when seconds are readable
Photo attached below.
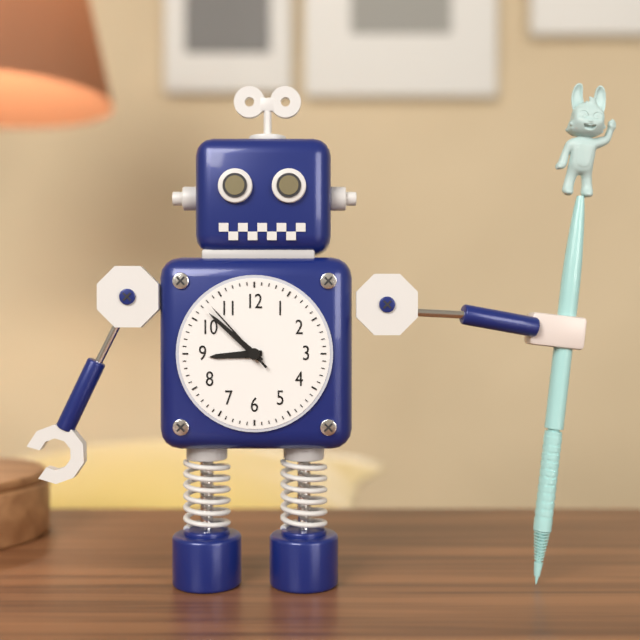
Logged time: **8:52:53**
